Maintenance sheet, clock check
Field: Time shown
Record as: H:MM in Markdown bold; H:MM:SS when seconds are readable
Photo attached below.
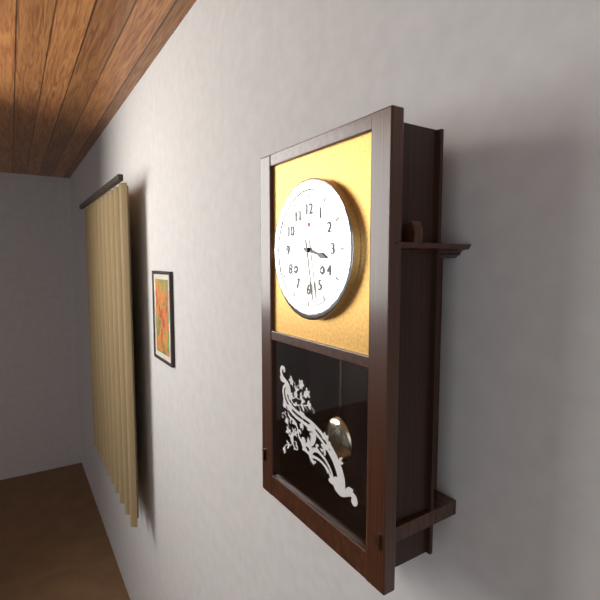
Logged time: **3:28**
